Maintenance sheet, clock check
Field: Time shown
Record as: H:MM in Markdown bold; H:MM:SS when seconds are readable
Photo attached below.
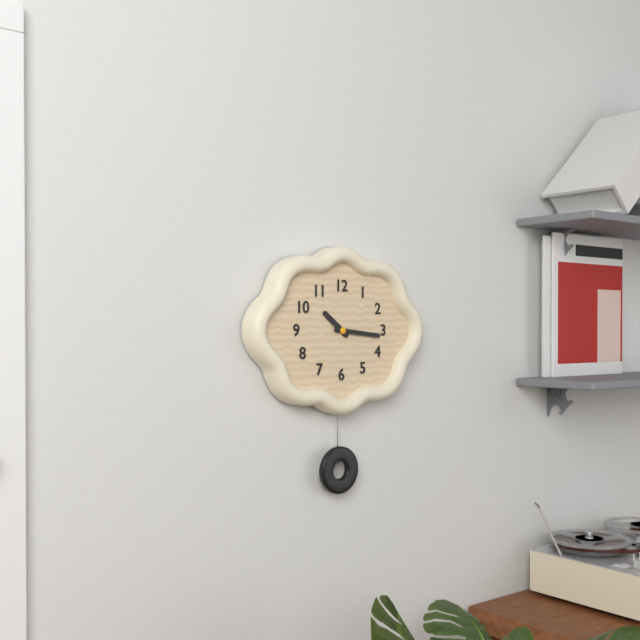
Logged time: **10:16**
